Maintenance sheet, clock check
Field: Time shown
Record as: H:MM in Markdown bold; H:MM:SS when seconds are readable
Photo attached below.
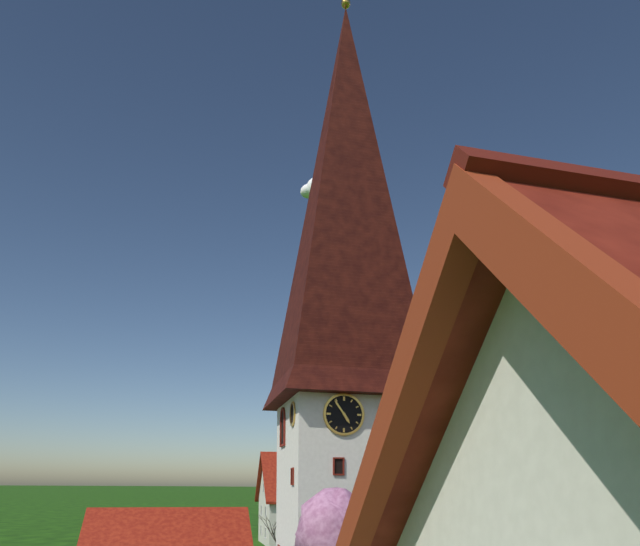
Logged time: **4:54**
